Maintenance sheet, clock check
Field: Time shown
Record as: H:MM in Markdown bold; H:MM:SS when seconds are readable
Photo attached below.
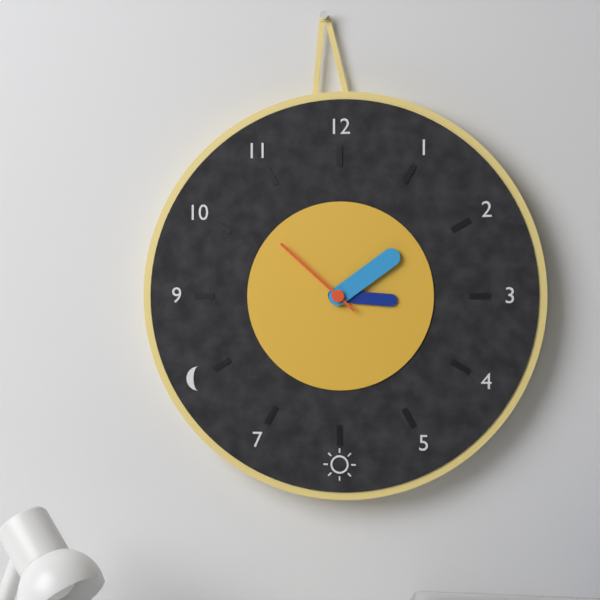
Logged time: **3:09:52**
